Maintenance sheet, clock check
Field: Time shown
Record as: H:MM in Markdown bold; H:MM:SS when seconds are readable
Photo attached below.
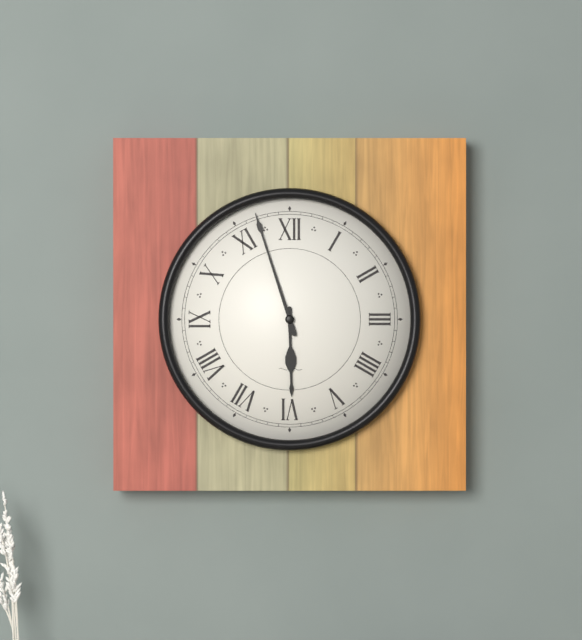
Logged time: **5:57**
